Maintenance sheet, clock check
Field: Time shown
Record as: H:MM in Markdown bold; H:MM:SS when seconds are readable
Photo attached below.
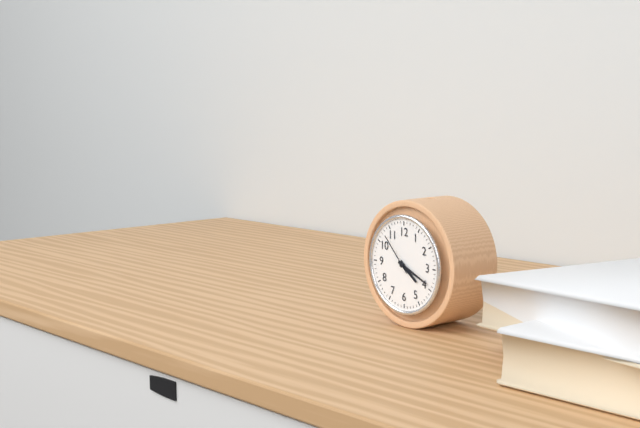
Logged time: **4:19**
